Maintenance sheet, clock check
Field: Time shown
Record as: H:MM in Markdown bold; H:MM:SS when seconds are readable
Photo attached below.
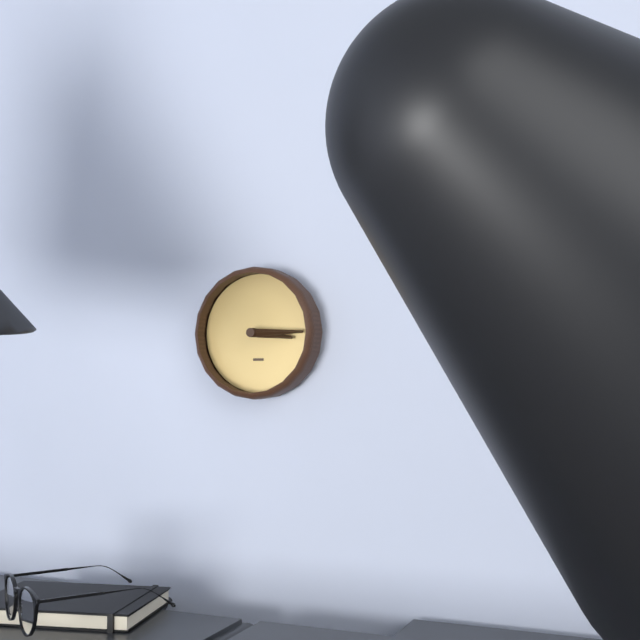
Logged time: **3:15**
